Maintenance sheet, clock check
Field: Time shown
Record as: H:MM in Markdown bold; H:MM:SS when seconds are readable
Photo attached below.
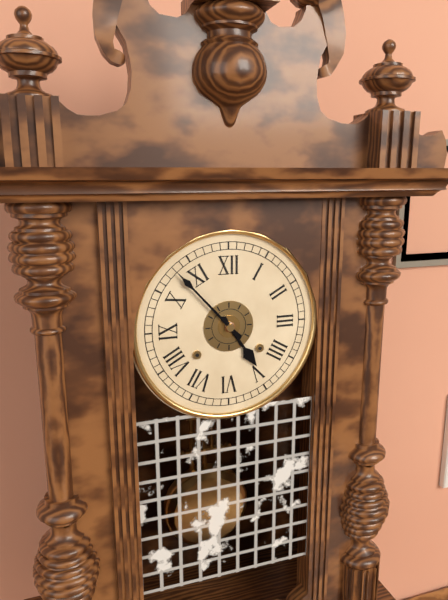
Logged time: **4:53**
